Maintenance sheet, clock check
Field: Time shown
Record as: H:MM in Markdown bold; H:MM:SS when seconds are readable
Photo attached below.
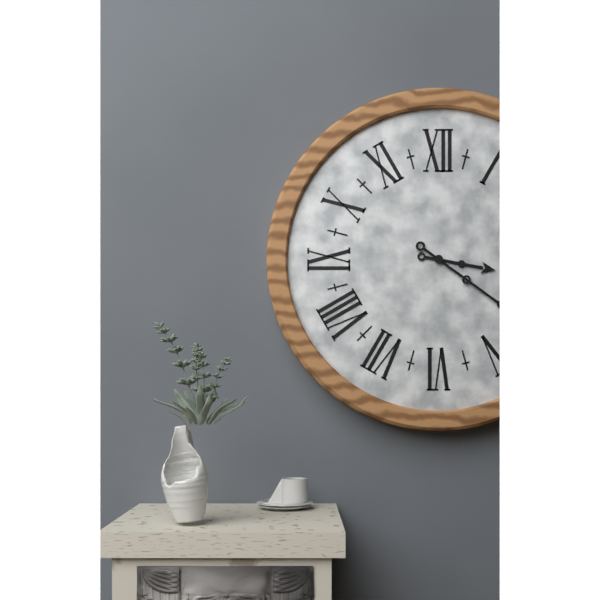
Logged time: **3:21**
